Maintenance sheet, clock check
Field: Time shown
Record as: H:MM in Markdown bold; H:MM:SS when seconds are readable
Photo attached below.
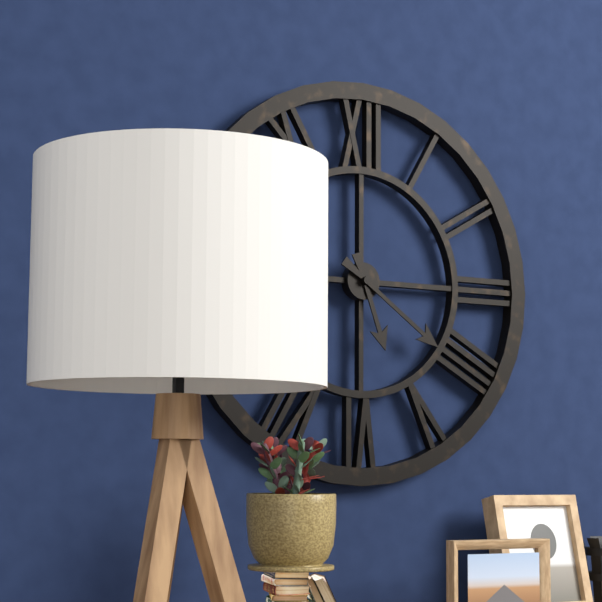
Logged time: **5:21**
